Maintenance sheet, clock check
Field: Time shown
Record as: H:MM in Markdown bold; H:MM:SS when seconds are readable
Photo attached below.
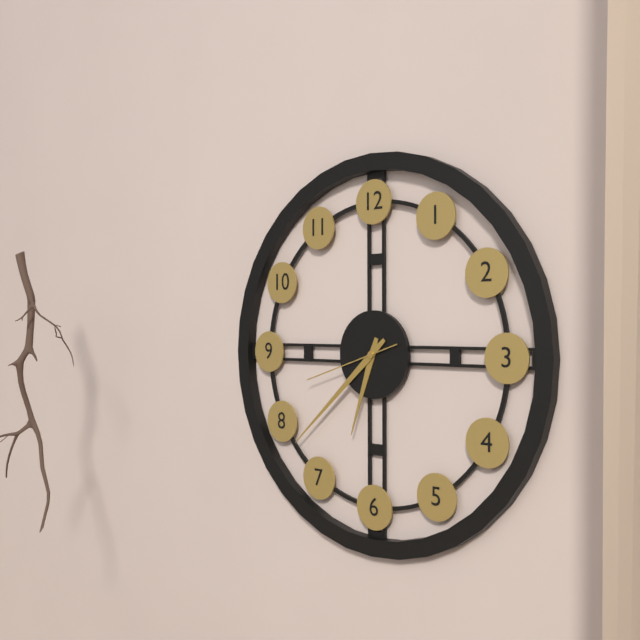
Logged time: **6:38:42**
